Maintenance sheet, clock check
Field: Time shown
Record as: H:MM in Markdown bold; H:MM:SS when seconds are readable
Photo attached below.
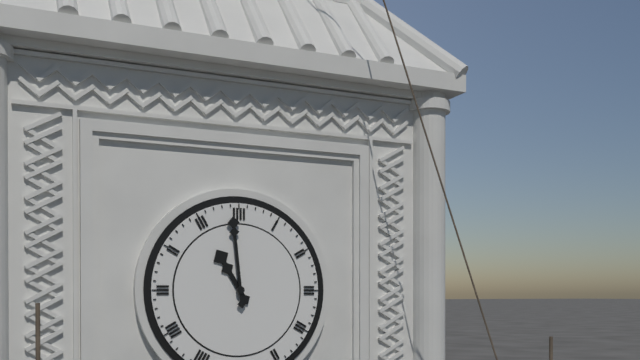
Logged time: **10:59**
